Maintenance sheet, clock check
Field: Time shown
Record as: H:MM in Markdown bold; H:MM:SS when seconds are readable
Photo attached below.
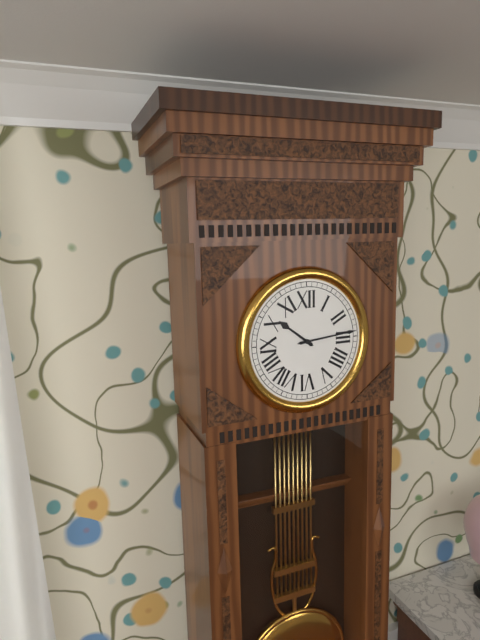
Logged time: **10:14**
